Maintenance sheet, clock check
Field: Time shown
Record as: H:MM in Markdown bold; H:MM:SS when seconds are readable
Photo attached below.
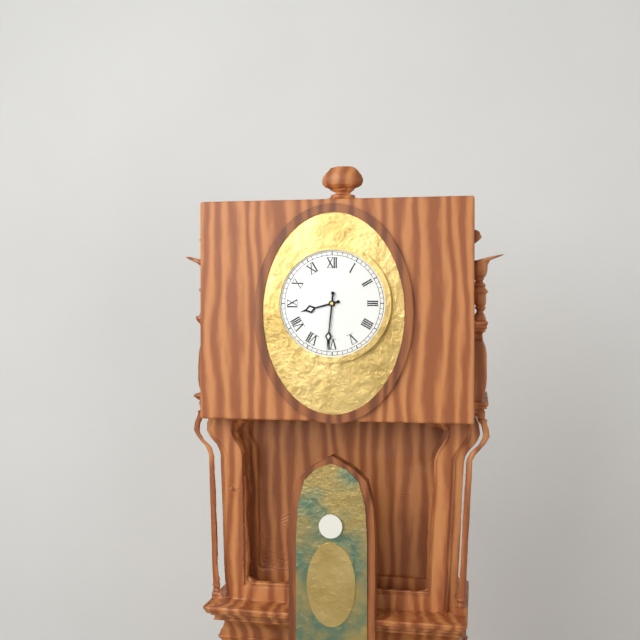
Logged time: **8:31**
